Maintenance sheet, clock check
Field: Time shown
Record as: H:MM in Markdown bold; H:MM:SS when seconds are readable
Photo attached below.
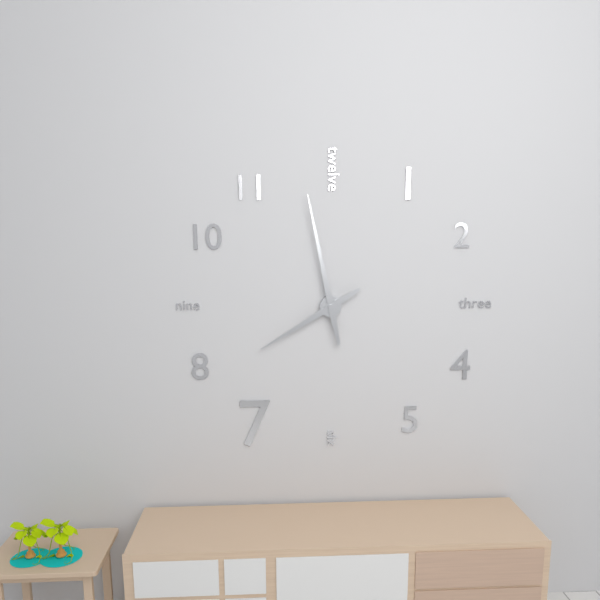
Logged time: **7:58**
